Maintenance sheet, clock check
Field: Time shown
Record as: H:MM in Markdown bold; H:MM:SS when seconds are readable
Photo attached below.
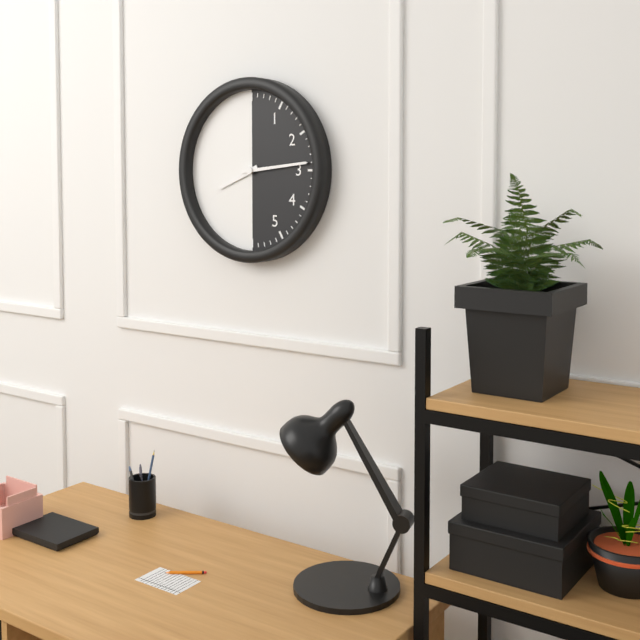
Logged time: **8:14**
